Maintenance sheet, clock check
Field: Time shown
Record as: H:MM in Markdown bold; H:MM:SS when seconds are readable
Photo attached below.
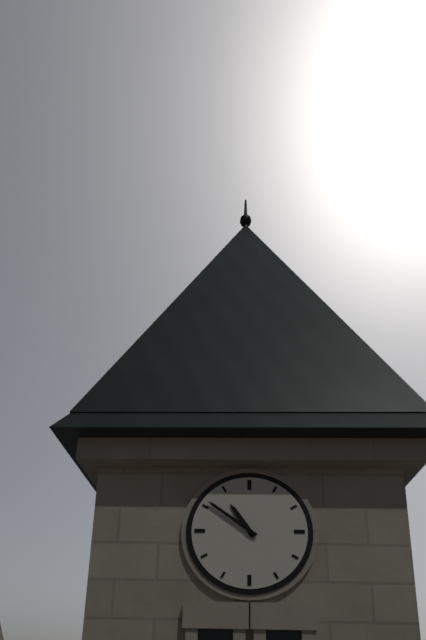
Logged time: **10:51**
